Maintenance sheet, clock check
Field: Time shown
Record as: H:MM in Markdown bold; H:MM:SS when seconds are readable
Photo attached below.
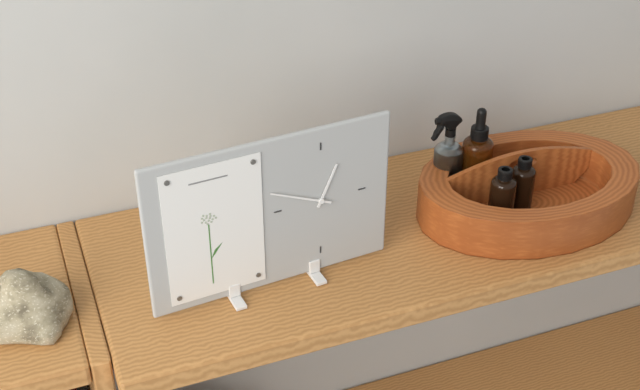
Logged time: **12:49**
